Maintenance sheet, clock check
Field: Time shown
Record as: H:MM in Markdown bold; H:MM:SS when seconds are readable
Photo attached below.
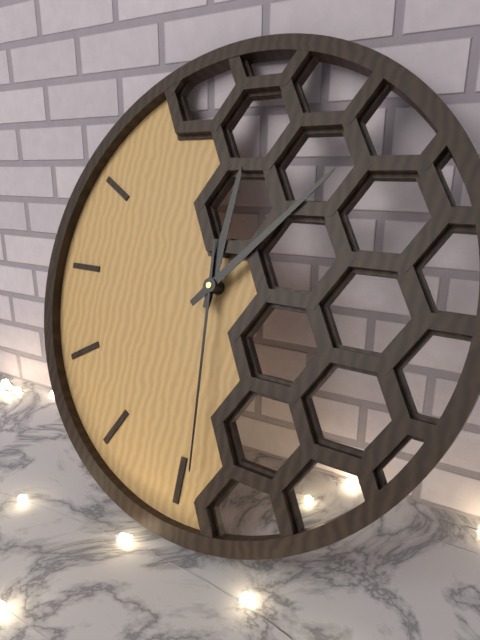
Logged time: **12:07:29**
